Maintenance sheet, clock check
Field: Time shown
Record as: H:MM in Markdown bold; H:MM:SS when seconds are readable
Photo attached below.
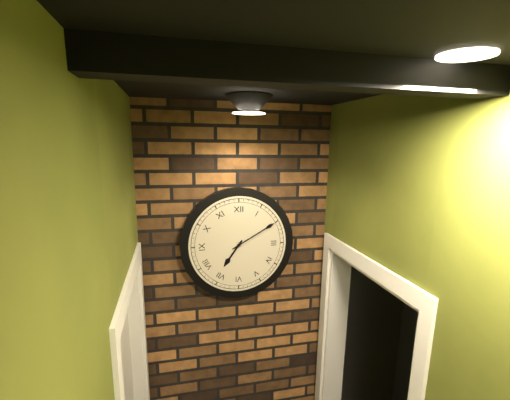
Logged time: **7:10**
